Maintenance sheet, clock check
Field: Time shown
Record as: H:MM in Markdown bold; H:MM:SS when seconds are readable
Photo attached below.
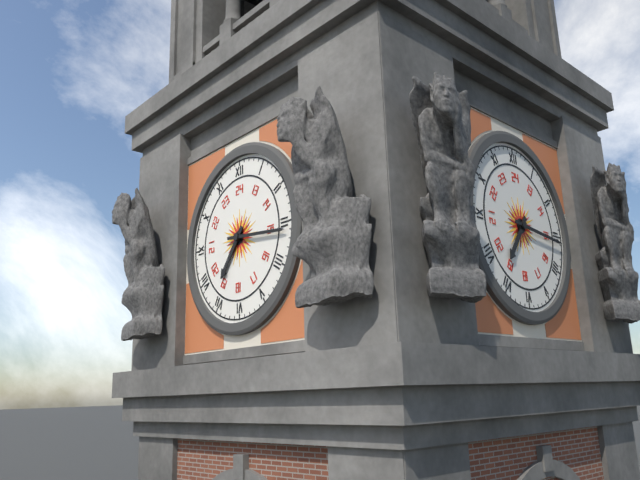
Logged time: **7:16**
